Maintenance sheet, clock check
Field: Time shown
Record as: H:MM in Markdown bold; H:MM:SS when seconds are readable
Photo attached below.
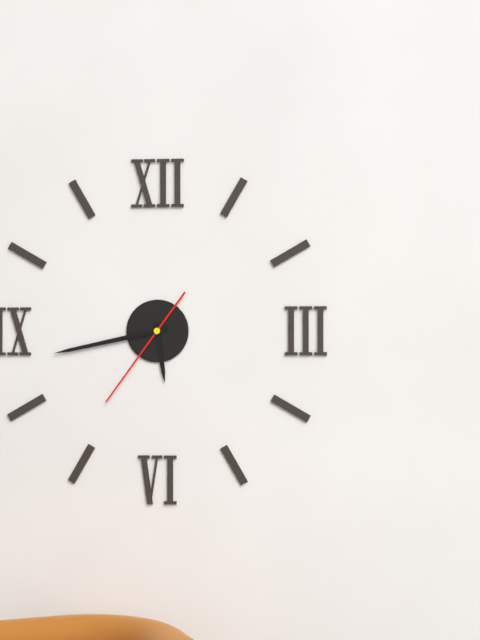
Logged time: **5:43:36**
